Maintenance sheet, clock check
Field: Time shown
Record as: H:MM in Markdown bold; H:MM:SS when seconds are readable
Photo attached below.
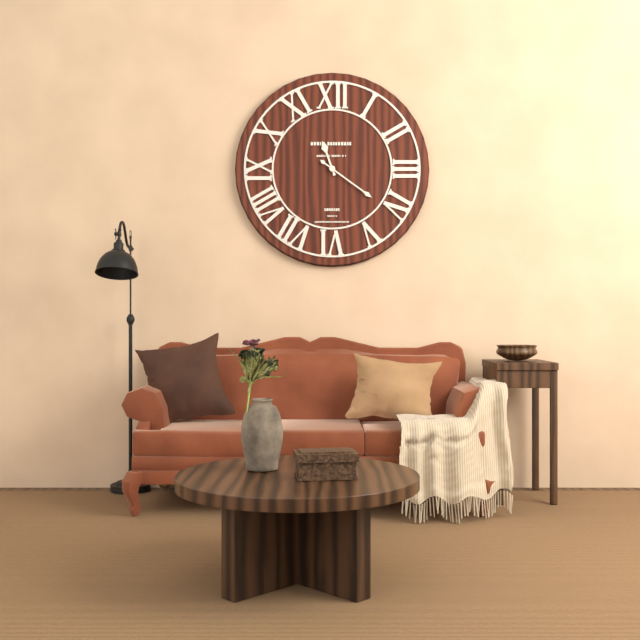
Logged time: **11:21**
